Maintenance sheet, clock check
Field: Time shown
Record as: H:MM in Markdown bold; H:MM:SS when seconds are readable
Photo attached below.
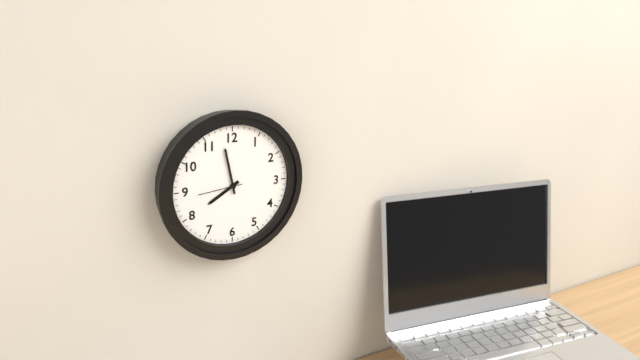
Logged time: **7:58**
